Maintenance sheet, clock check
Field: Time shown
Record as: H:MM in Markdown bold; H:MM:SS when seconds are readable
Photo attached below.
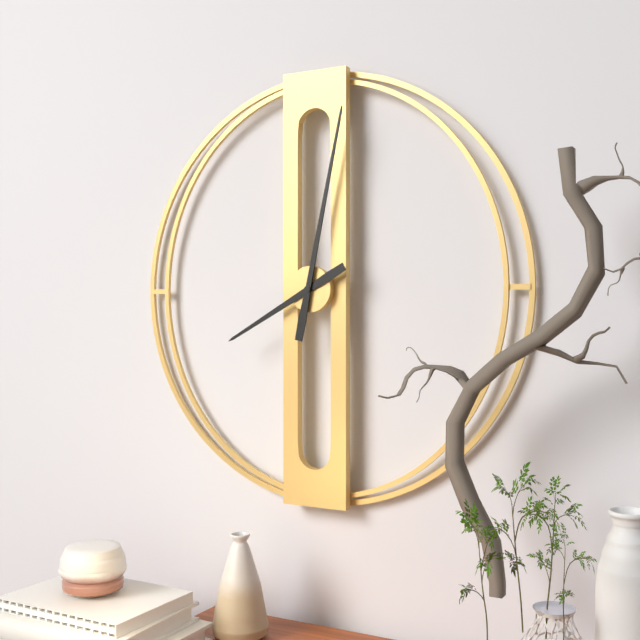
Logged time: **8:02**
